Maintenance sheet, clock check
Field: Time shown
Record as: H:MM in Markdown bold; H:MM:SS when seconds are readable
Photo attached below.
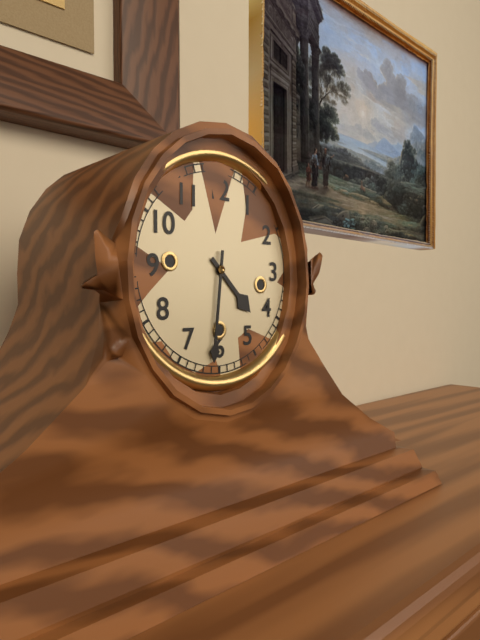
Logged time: **4:31**
